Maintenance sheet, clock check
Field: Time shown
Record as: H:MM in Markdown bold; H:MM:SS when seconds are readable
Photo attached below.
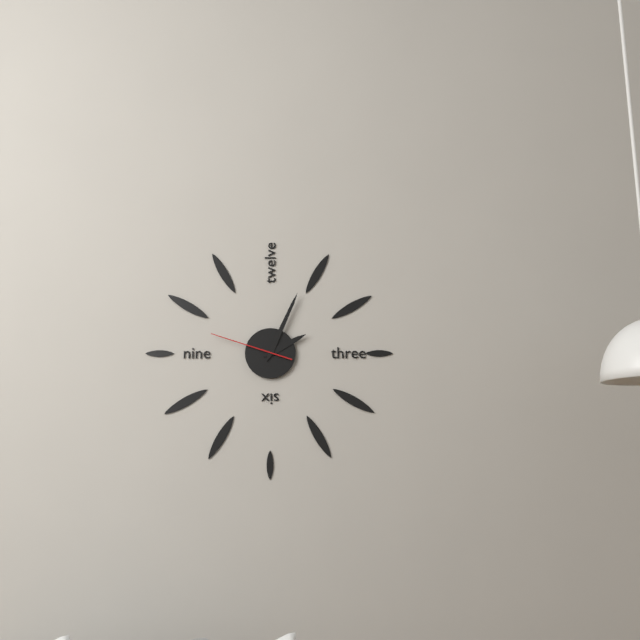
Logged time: **2:04:48**
